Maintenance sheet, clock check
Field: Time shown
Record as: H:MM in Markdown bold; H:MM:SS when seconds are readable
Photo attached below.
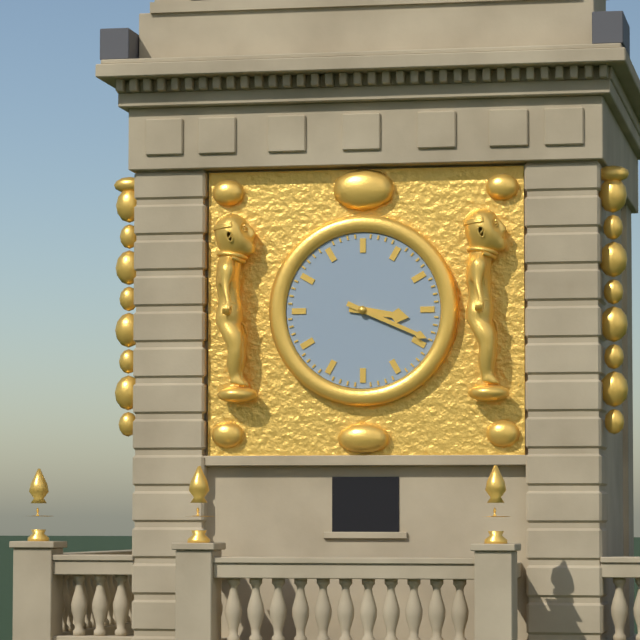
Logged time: **3:19**
